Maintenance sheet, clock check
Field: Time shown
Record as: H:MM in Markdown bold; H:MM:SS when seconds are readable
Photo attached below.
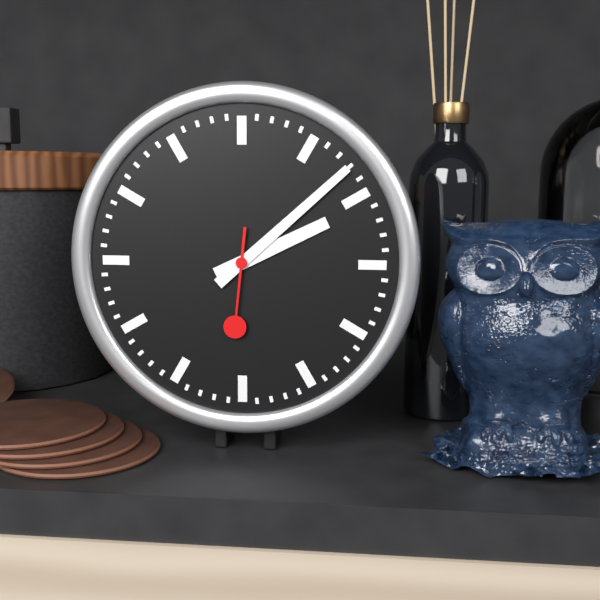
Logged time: **2:08:31**
